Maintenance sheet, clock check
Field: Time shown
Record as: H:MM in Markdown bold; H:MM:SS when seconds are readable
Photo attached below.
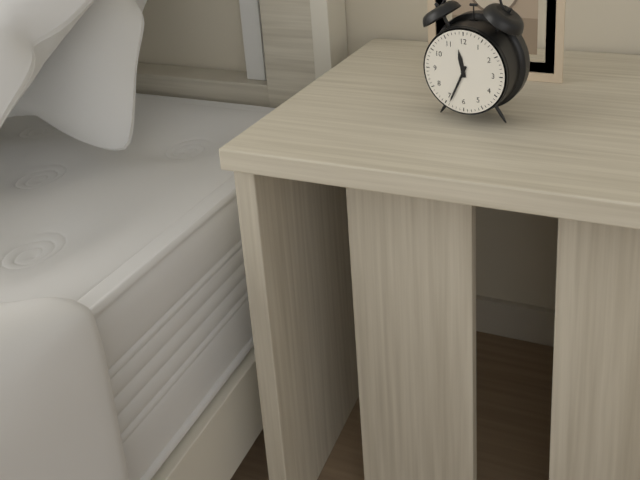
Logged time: **11:34**
